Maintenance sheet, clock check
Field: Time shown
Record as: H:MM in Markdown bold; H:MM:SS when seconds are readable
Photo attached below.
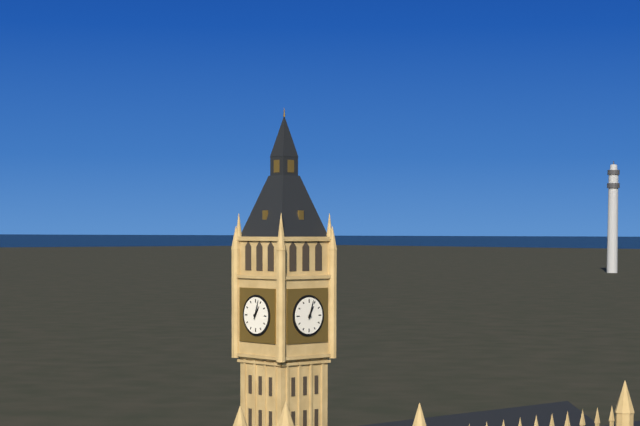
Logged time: **1:03**
